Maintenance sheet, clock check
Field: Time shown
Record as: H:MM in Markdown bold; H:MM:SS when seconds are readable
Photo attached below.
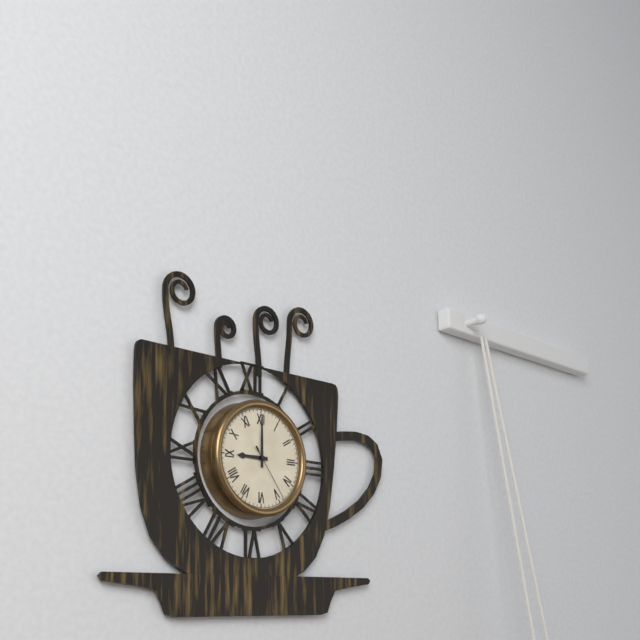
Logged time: **9:00:24**
